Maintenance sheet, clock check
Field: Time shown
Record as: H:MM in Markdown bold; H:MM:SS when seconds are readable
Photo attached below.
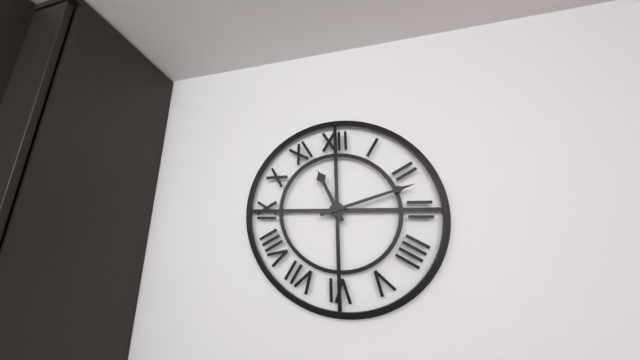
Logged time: **11:12**
